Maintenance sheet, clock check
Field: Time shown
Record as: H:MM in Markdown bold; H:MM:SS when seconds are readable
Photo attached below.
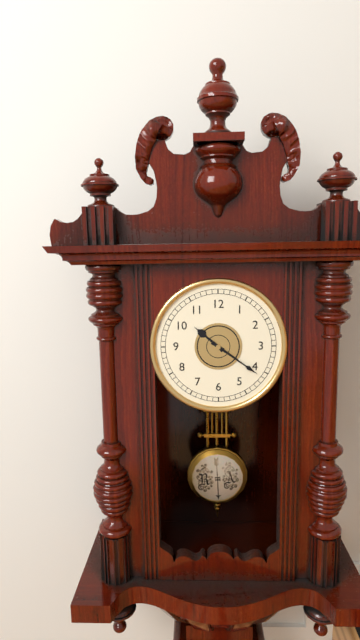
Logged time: **10:21**
